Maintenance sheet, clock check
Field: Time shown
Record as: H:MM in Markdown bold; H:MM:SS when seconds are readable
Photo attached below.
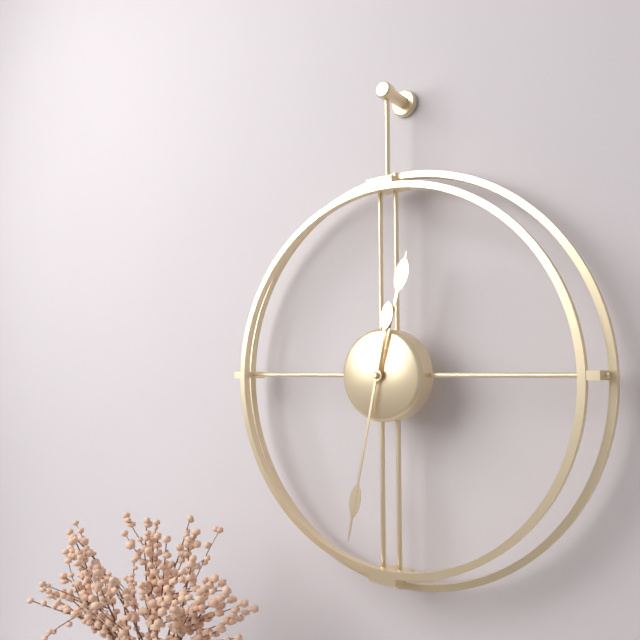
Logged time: **12:32**
